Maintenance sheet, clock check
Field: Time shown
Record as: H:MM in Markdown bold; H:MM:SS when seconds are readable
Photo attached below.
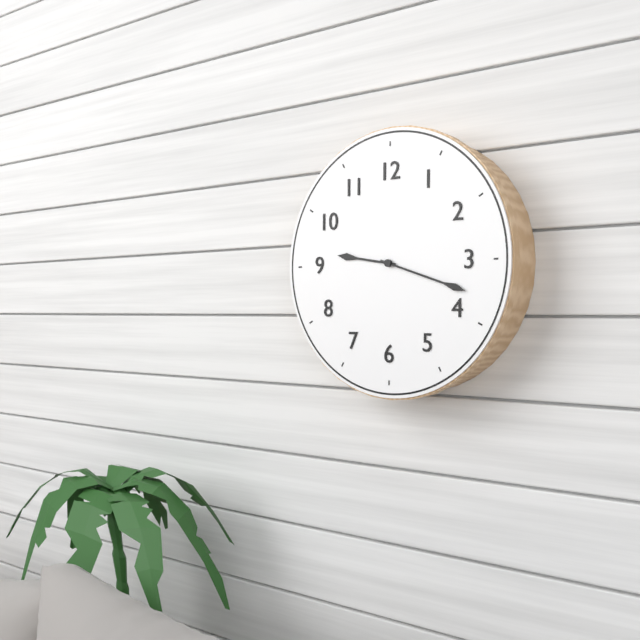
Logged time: **9:18**
